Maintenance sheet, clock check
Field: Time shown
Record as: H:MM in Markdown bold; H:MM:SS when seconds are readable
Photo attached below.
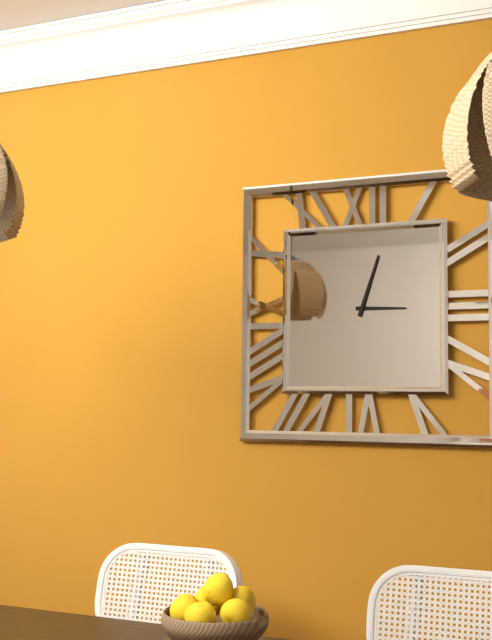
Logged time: **3:03**
